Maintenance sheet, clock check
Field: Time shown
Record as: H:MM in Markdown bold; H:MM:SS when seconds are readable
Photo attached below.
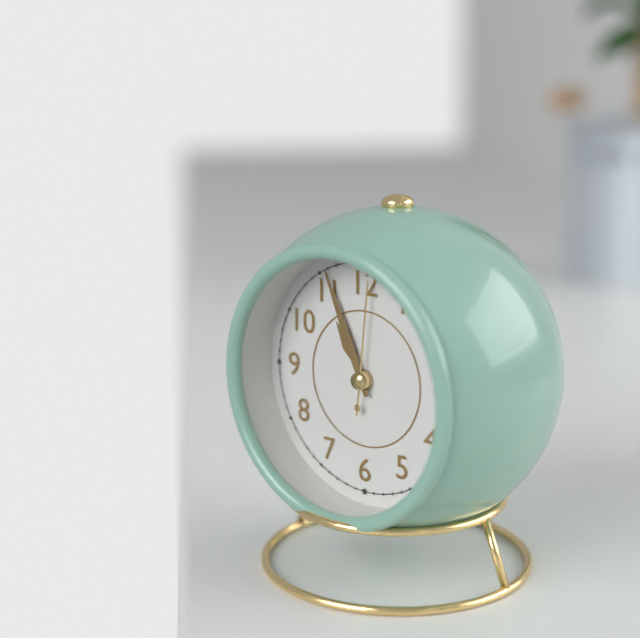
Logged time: **10:56:01**
